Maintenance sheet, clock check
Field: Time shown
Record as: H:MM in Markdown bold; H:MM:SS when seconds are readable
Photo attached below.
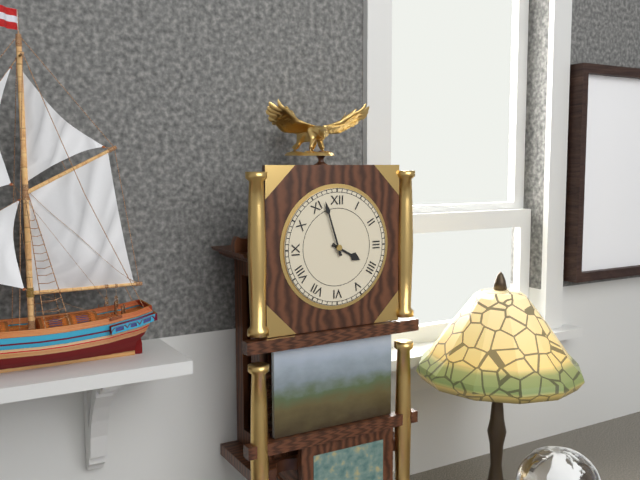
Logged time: **3:57**
